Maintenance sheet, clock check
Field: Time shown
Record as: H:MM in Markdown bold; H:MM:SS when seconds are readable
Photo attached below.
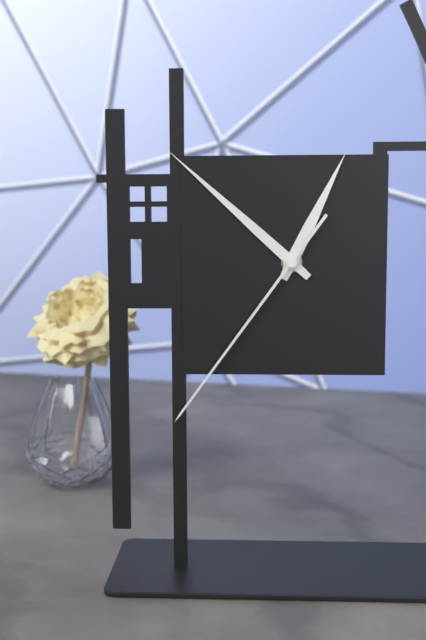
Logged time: **12:52:36**
